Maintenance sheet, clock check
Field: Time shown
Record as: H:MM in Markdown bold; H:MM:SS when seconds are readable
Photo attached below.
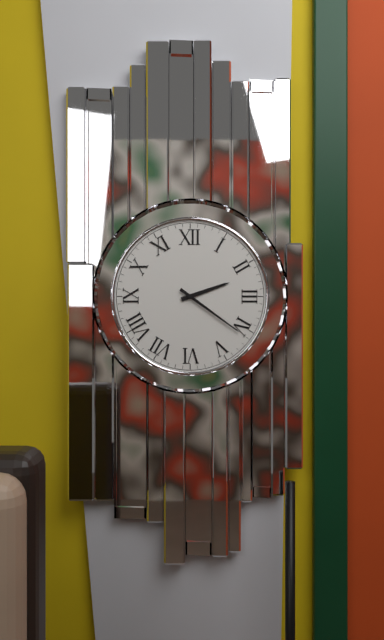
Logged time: **2:21**
